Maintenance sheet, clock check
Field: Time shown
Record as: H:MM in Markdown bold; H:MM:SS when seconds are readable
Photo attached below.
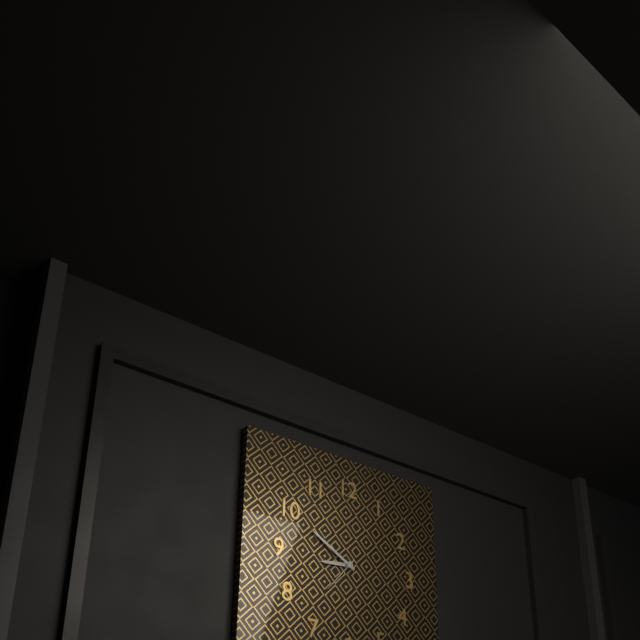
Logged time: **8:50**
